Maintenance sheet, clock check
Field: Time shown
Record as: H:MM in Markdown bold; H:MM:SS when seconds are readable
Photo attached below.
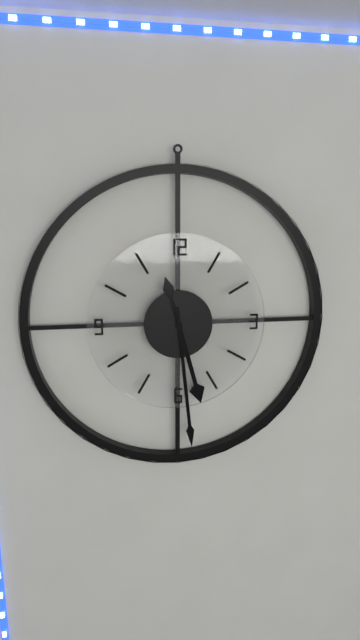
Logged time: **5:29**
